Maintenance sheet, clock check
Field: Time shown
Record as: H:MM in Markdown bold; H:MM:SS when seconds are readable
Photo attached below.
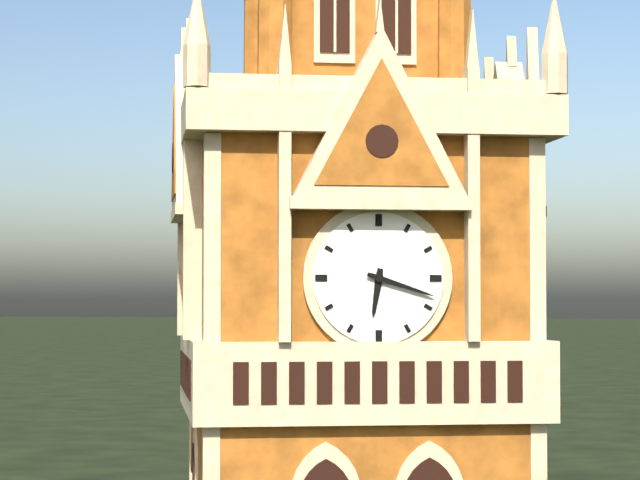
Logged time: **6:18**
